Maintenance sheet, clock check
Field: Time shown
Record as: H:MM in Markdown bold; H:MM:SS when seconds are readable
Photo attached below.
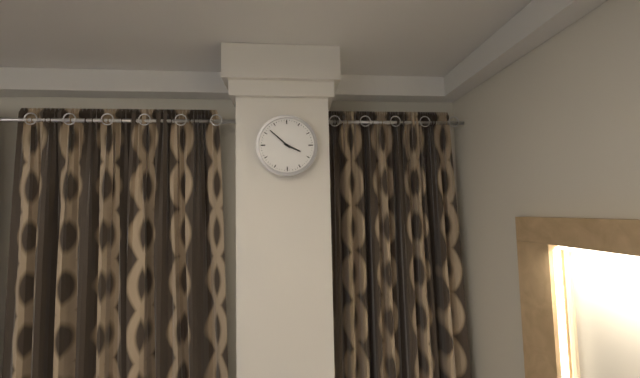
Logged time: **3:52**
